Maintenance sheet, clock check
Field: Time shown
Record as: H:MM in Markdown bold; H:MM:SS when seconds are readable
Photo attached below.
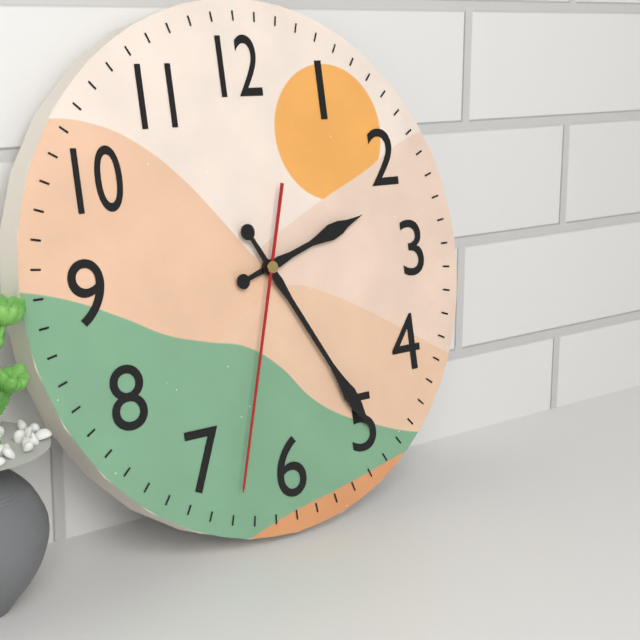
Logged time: **2:25:33**
